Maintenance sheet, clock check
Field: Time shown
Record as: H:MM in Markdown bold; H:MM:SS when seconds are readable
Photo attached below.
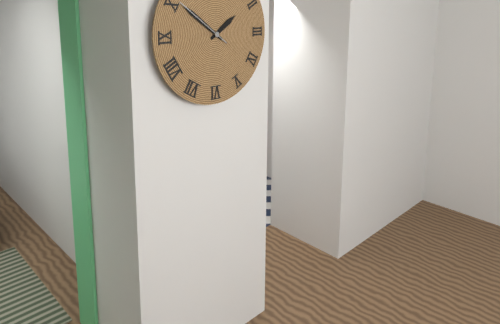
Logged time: **1:51:51**
